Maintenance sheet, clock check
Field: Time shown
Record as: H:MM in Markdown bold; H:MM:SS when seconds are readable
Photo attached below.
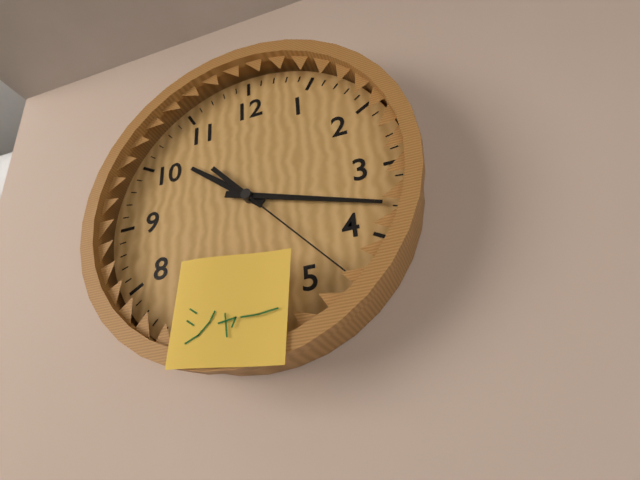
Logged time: **10:18:23**
